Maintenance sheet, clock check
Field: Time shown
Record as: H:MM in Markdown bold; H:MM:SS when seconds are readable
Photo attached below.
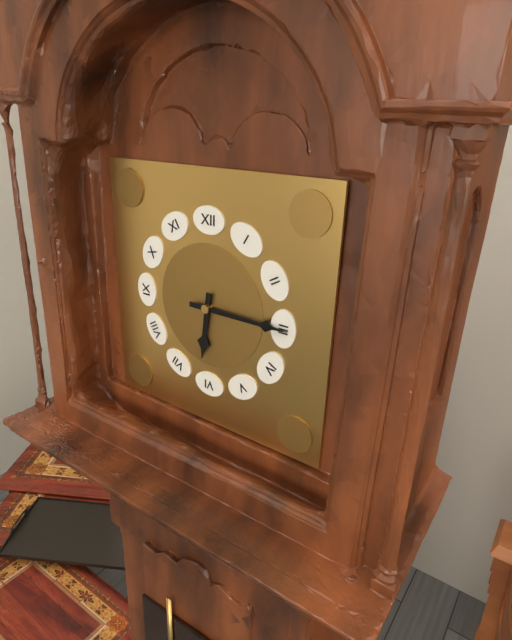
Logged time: **6:15**
